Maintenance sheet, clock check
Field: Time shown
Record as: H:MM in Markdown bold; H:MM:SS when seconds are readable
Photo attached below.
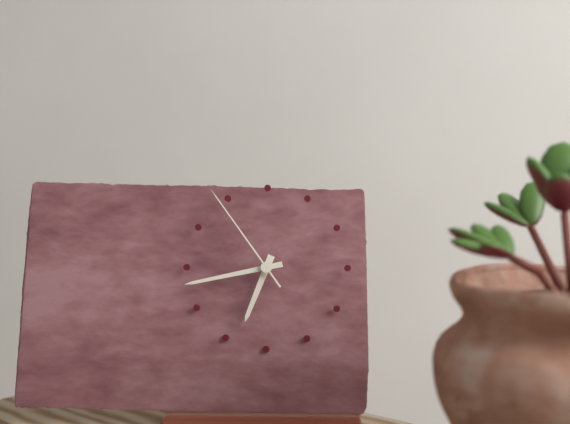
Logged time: **6:43:54**
